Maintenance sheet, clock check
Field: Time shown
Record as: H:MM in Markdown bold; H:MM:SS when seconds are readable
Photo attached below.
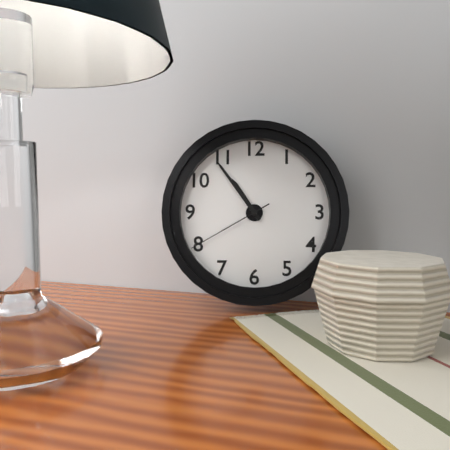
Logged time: **10:54:40**
